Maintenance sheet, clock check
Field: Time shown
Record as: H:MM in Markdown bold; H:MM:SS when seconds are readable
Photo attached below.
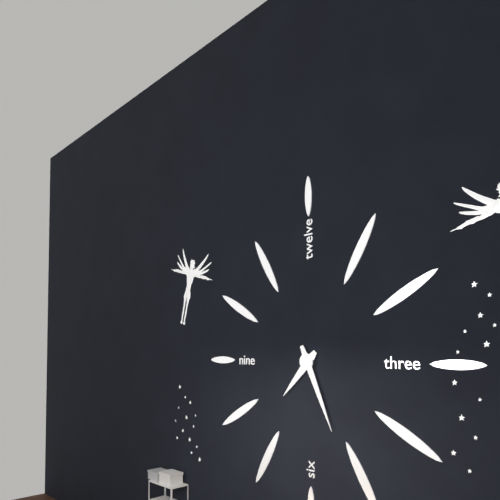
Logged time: **7:26**
